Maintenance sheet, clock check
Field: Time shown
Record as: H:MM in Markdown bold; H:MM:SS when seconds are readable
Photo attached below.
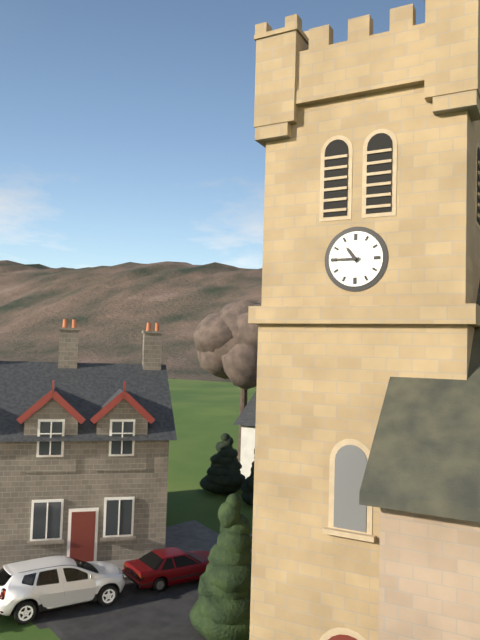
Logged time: **10:45**
